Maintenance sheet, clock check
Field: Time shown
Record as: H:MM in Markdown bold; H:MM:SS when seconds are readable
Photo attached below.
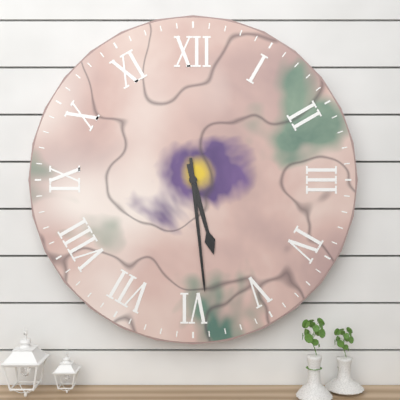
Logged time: **5:29**
